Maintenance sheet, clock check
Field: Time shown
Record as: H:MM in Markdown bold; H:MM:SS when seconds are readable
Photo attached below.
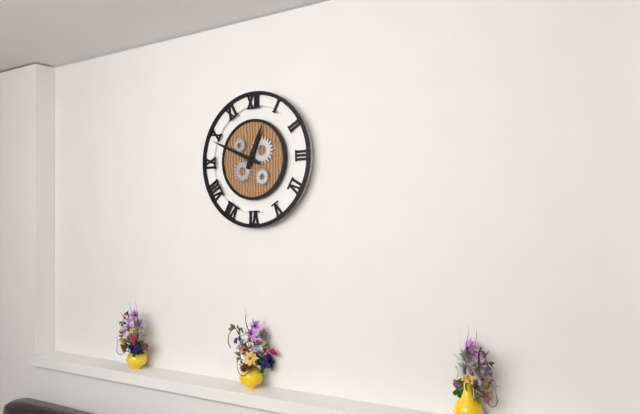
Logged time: **12:49**
